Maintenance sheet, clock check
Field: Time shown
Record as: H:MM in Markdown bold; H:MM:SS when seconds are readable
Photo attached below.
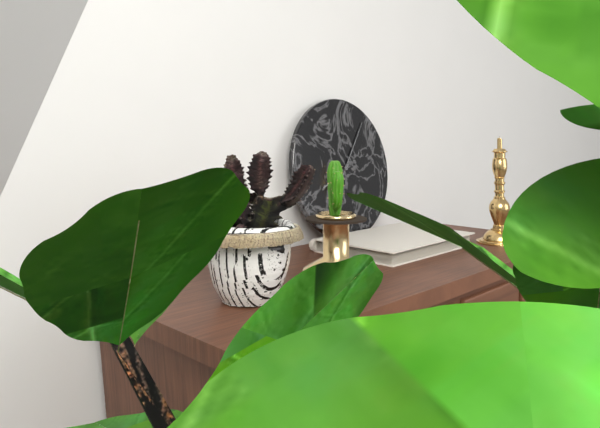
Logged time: **8:06**
